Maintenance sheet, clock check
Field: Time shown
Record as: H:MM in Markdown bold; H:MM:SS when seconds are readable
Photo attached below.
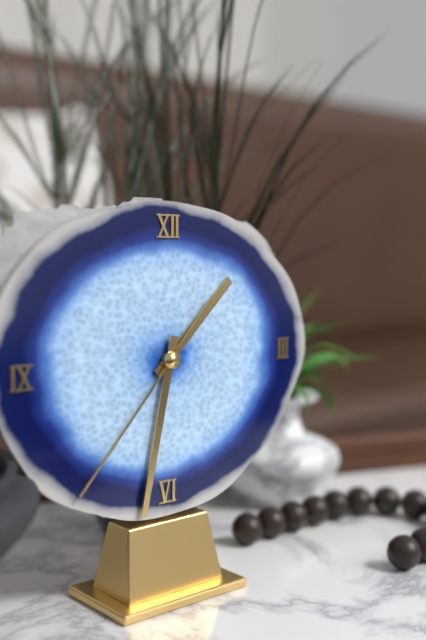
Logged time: **1:32:37**
